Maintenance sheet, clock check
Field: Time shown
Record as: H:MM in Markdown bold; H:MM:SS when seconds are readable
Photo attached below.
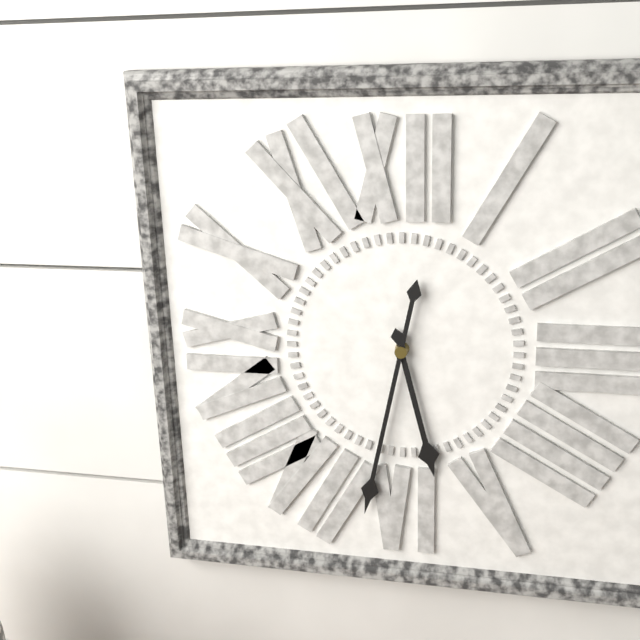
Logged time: **5:32**
